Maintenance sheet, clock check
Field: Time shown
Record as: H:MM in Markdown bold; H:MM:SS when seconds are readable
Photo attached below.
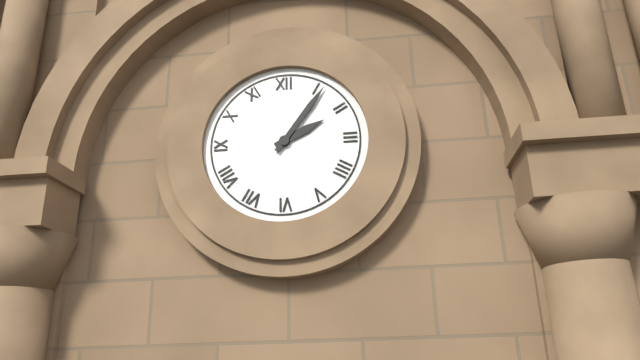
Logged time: **2:06**
